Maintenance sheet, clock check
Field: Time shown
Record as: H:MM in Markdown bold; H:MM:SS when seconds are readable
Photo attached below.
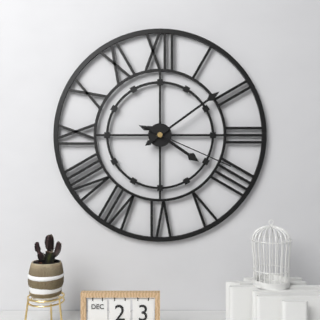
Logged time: **4:09:19**
